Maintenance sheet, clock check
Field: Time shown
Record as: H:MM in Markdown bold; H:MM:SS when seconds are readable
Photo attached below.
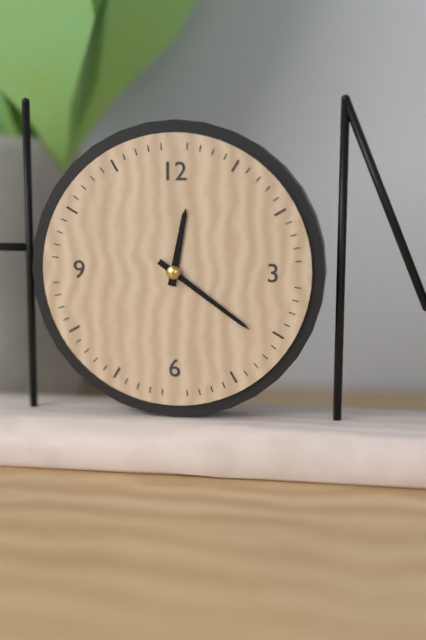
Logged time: **12:21**
